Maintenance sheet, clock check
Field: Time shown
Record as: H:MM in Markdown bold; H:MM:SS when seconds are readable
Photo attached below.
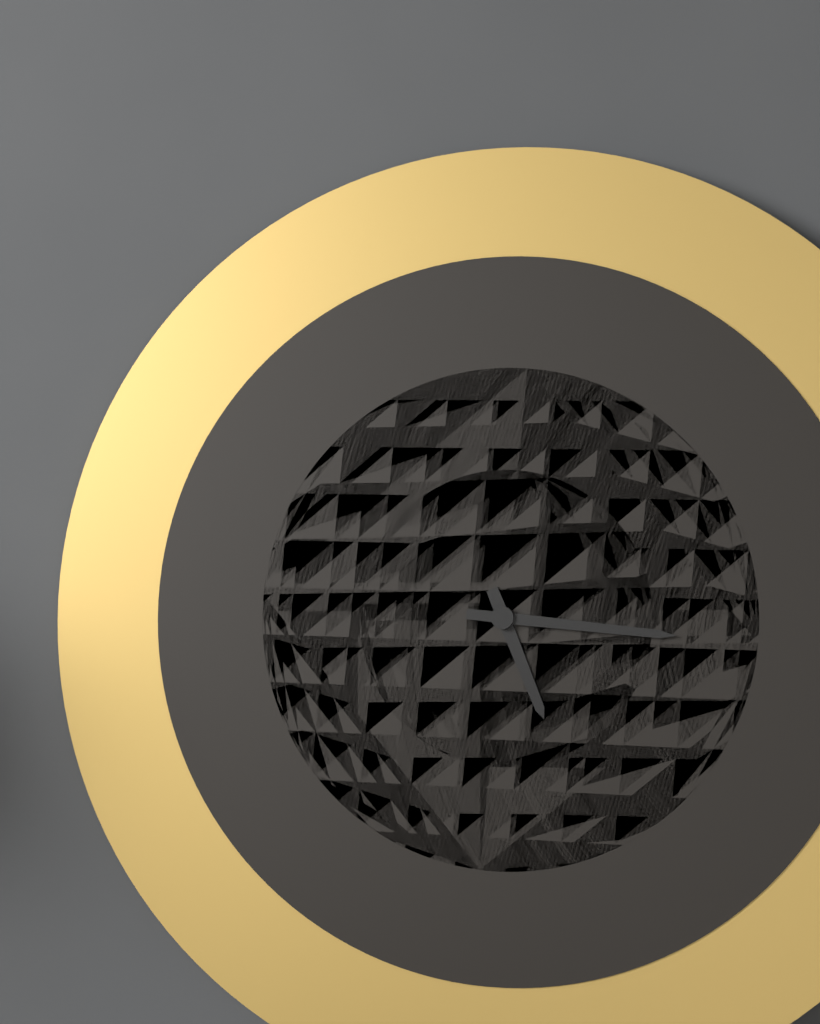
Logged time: **5:16**
